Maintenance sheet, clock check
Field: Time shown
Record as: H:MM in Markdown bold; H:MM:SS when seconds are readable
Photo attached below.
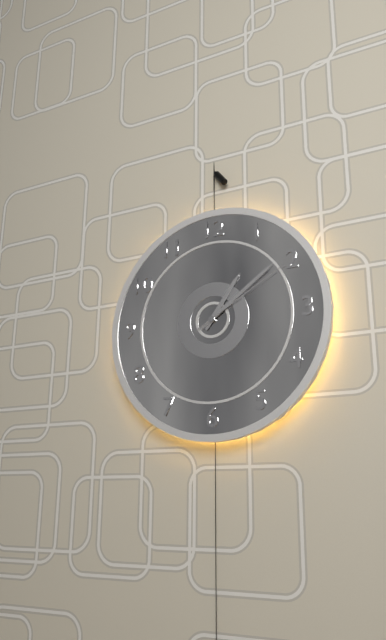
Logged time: **1:09:10**
